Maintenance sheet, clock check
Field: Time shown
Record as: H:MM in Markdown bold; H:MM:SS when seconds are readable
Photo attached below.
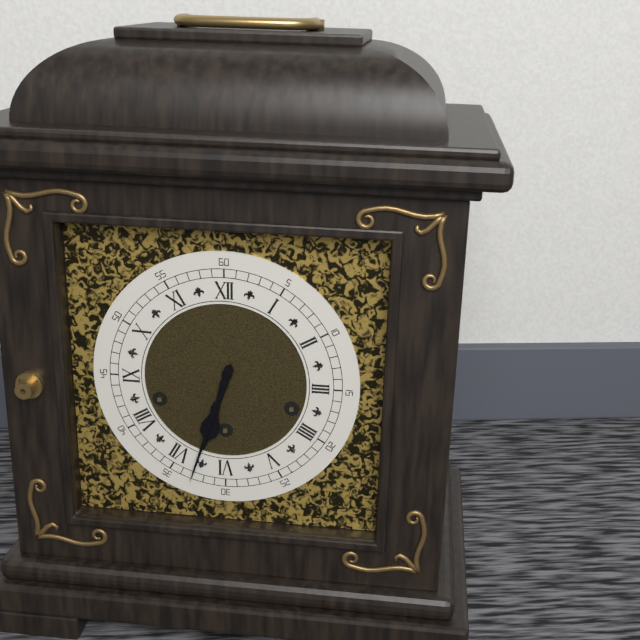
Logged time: **6:33**
